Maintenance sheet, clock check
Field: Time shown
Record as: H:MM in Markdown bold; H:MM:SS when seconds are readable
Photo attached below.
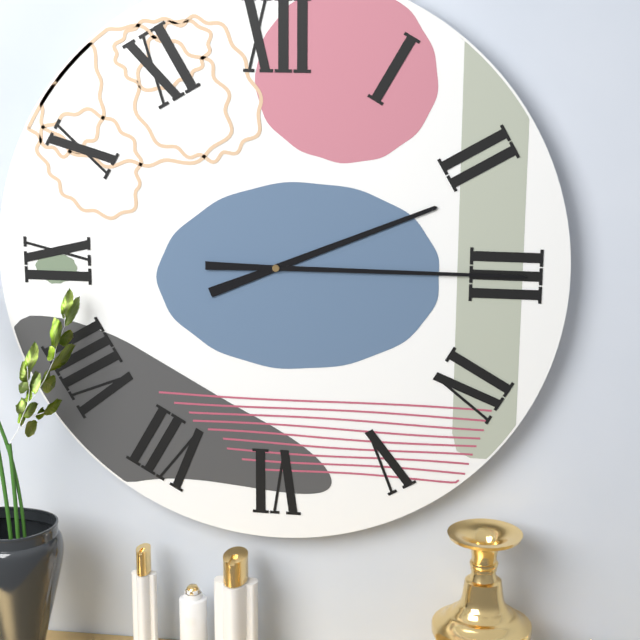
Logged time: **2:15**
